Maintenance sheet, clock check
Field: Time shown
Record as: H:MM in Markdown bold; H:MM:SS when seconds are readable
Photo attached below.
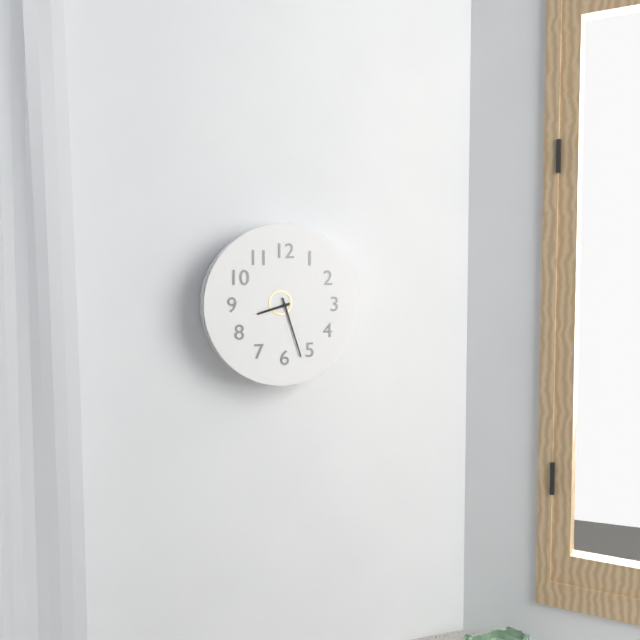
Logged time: **8:27**
